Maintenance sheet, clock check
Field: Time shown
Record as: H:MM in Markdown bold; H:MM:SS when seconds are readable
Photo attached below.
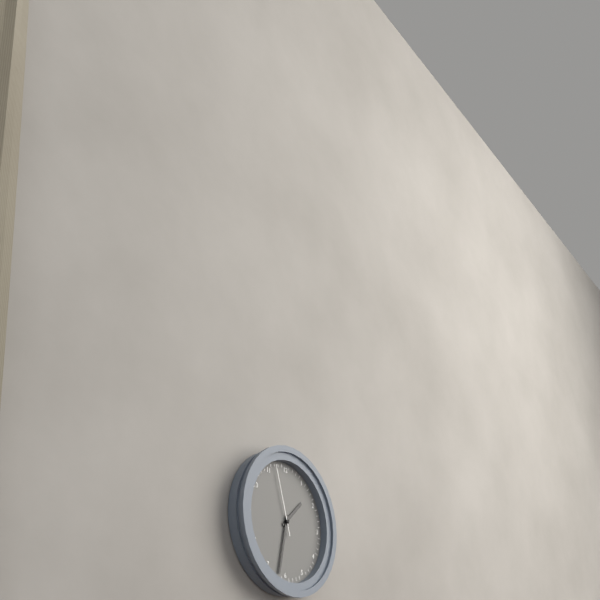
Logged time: **1:32:57**
